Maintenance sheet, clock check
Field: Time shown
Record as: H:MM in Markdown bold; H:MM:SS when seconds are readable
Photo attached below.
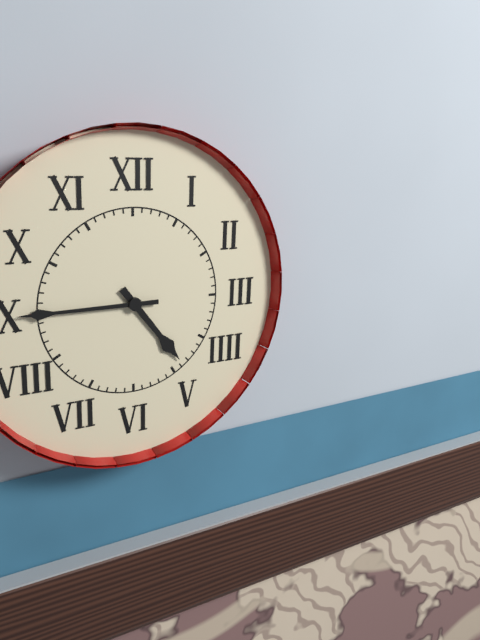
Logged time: **4:45**
